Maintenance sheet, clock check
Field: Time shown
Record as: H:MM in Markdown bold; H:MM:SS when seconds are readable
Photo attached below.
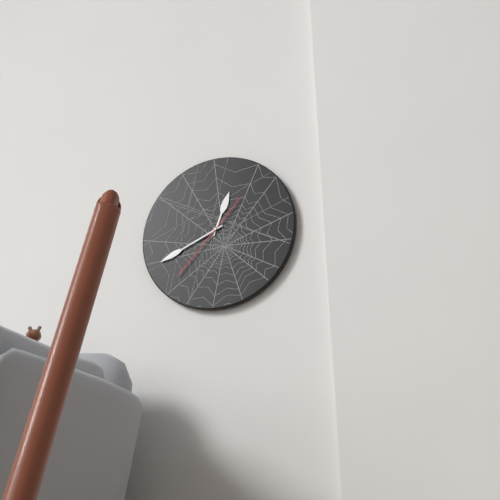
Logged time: **12:41:37**
